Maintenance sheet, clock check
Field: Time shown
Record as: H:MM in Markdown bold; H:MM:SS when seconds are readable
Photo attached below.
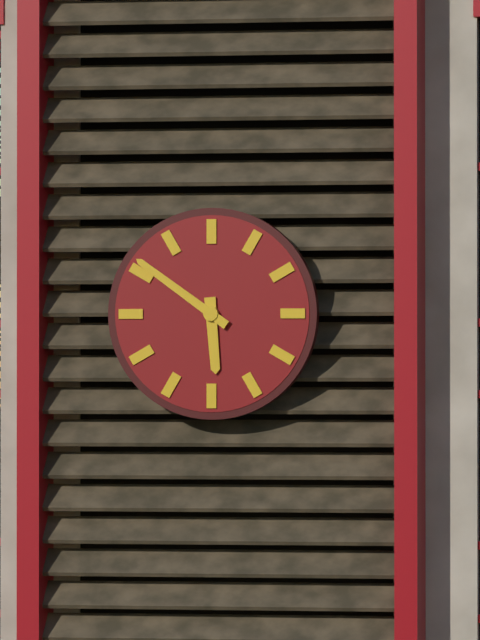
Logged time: **5:51**
